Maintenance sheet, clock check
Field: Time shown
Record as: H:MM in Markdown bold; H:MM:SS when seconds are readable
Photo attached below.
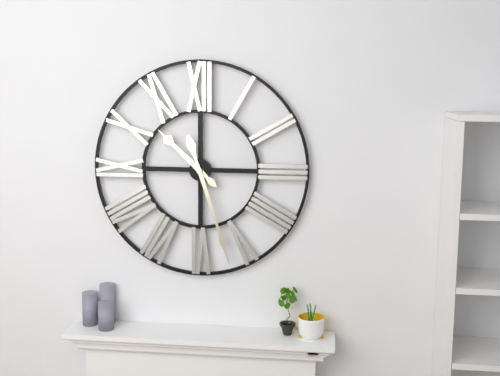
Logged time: **10:27**
